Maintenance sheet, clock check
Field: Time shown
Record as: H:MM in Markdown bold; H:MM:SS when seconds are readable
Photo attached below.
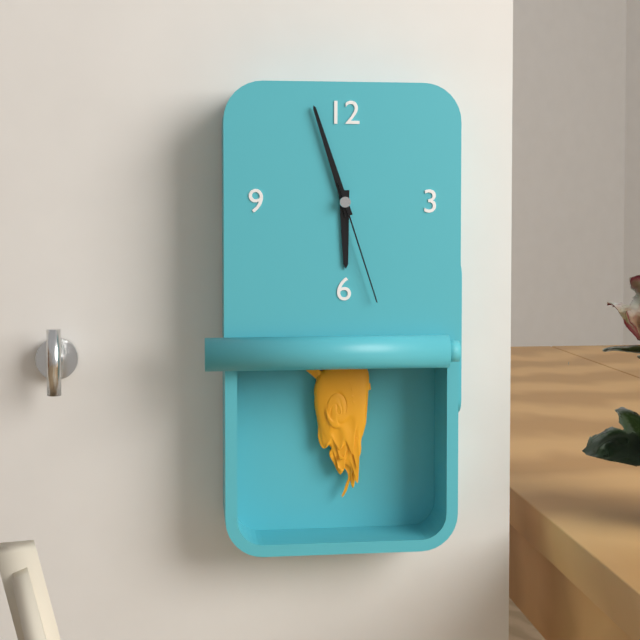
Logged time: **5:57:27**
